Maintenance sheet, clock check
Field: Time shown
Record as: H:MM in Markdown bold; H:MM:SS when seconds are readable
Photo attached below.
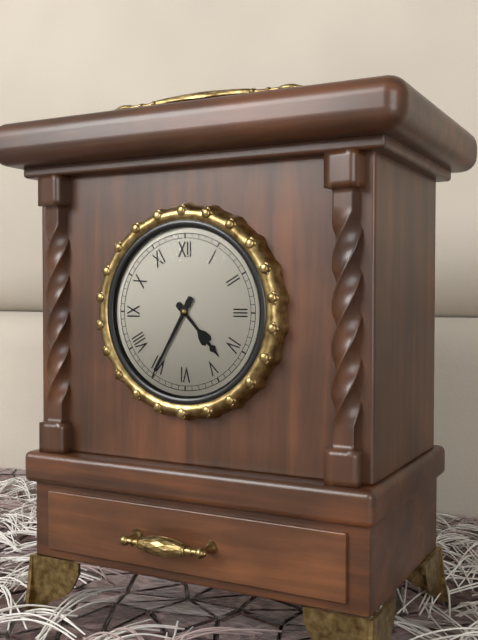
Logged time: **4:35**
